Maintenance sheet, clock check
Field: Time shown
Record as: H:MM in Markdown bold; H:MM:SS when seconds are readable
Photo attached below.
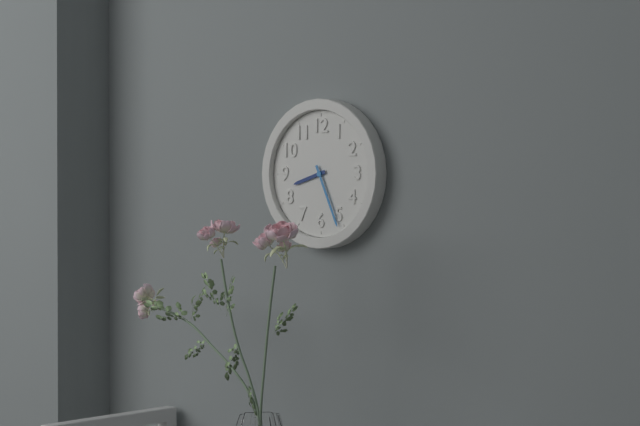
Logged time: **8:26**
